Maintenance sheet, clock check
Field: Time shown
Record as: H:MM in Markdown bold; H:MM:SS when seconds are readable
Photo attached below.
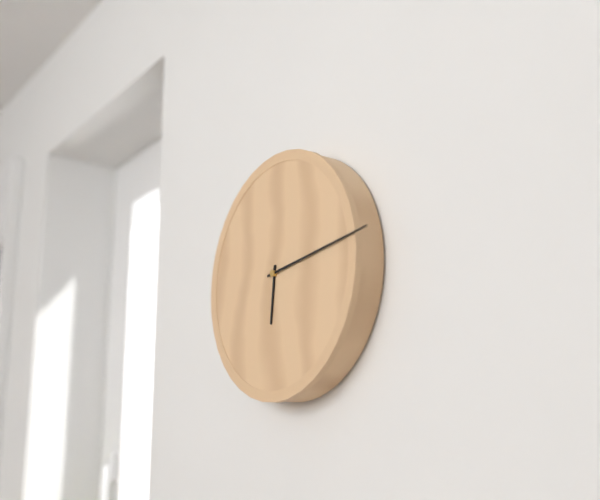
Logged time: **6:14**
